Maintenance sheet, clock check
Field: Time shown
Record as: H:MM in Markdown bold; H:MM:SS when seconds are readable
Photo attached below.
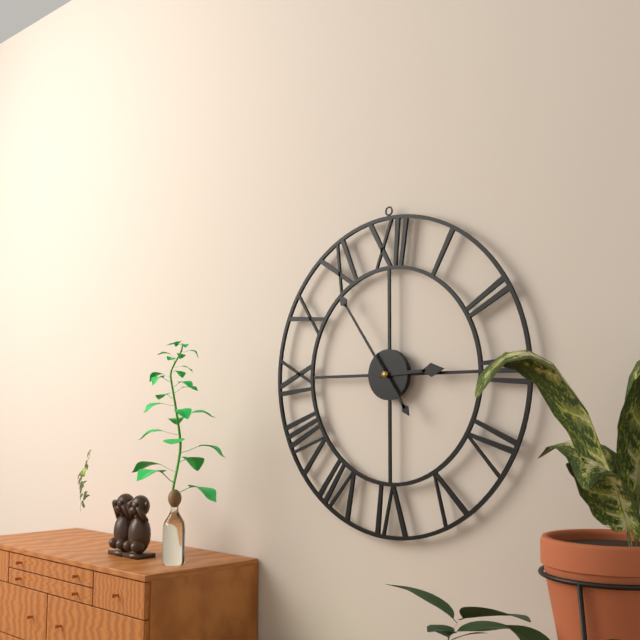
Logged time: **2:54**
